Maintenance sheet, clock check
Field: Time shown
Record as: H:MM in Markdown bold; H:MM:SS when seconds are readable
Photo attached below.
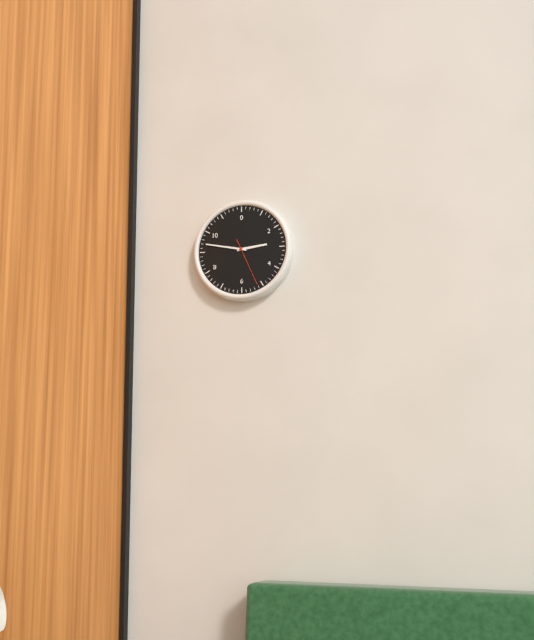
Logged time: **2:47**
